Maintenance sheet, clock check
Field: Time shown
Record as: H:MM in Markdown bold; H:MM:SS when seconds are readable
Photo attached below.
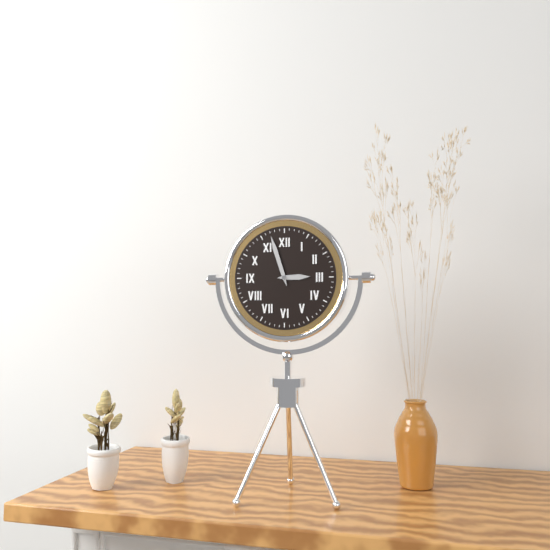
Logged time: **2:57**
